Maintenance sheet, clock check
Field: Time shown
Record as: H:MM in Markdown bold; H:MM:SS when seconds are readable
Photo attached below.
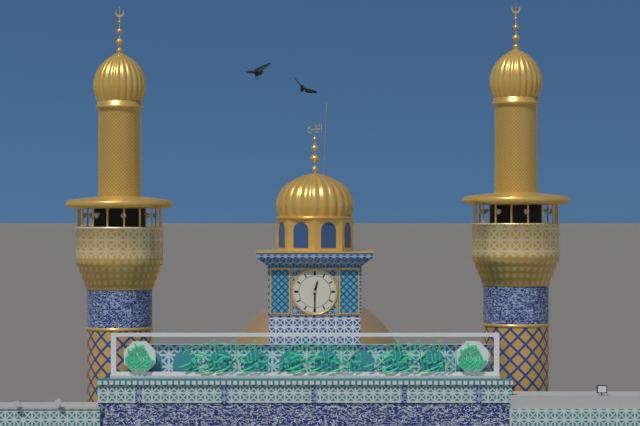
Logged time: **12:30**
